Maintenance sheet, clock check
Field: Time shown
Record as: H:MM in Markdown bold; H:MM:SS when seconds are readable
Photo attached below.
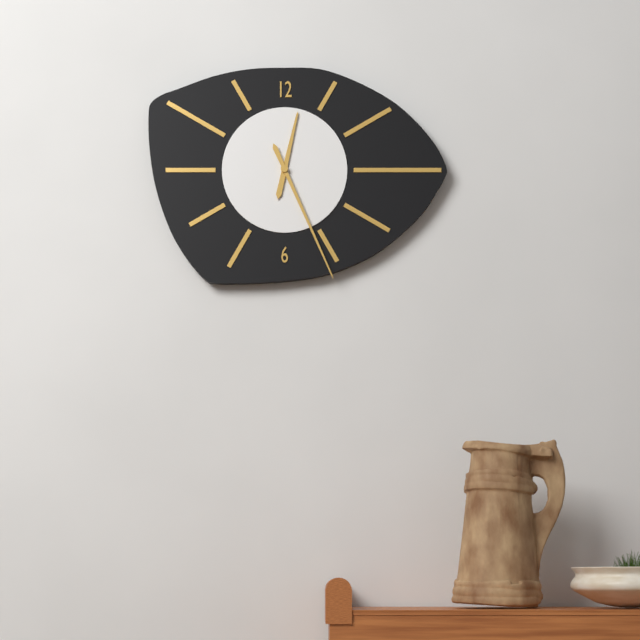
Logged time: **12:26**
